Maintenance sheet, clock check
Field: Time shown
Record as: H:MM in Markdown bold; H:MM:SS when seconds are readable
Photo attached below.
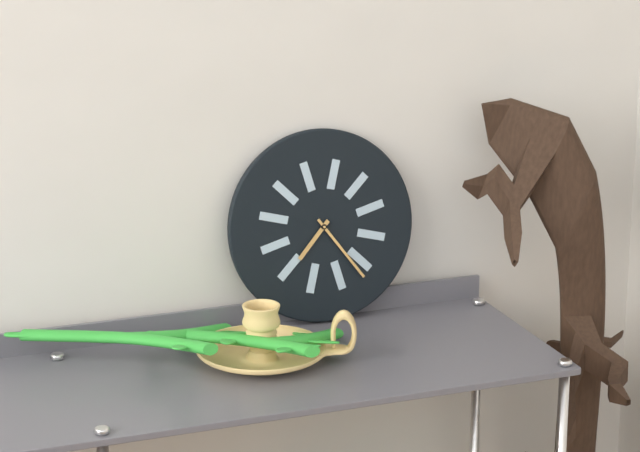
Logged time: **7:24**
